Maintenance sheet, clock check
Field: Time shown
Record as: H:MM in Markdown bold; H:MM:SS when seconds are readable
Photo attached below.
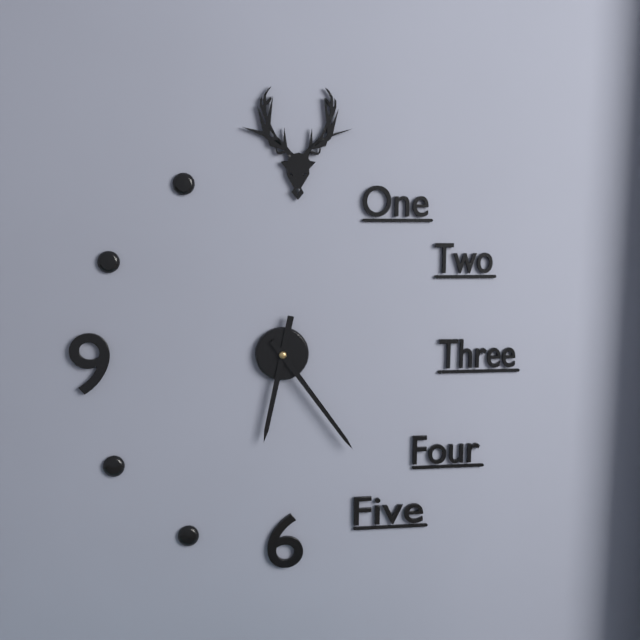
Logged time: **6:24**
